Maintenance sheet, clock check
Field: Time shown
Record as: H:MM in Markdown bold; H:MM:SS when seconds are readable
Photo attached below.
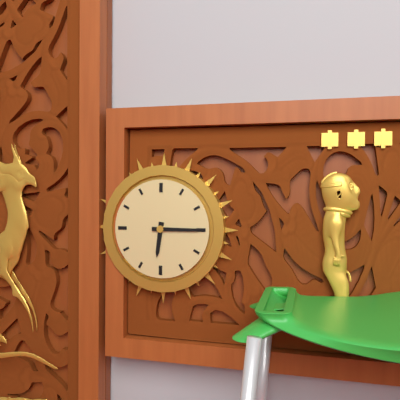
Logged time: **6:15**
